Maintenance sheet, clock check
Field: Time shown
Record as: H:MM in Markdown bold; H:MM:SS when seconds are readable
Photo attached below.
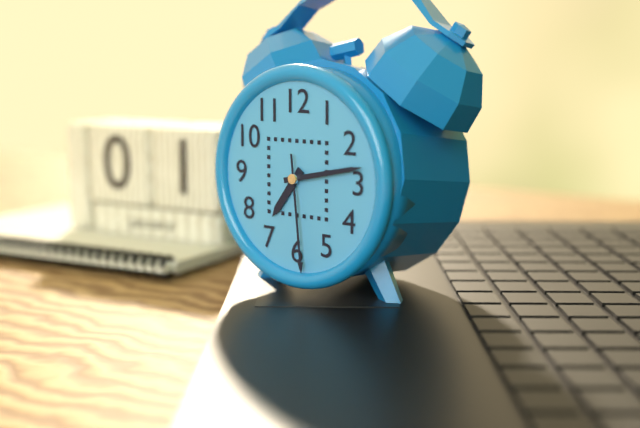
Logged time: **7:13:29**
